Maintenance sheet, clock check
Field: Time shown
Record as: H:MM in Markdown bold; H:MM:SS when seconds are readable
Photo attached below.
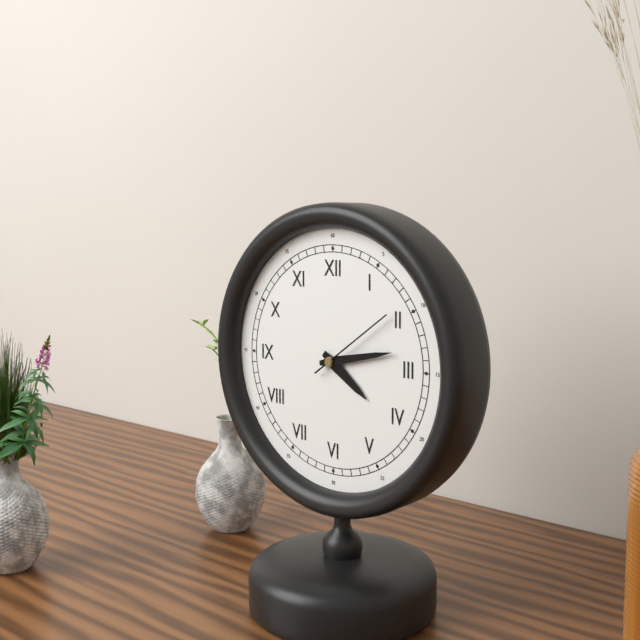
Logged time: **4:13:09**
